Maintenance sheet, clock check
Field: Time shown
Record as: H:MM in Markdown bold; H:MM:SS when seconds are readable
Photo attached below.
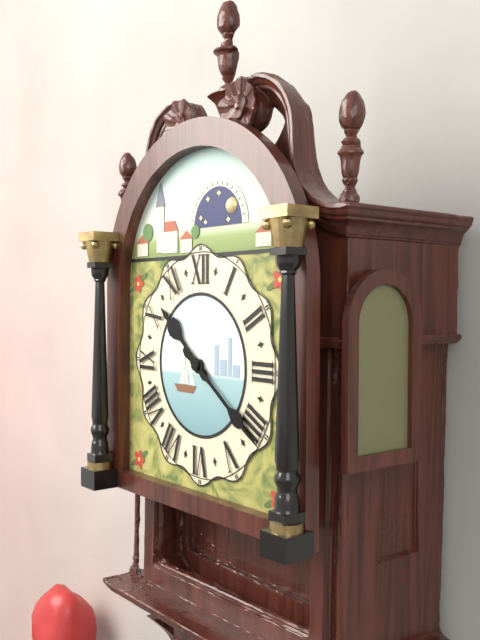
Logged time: **10:21**
